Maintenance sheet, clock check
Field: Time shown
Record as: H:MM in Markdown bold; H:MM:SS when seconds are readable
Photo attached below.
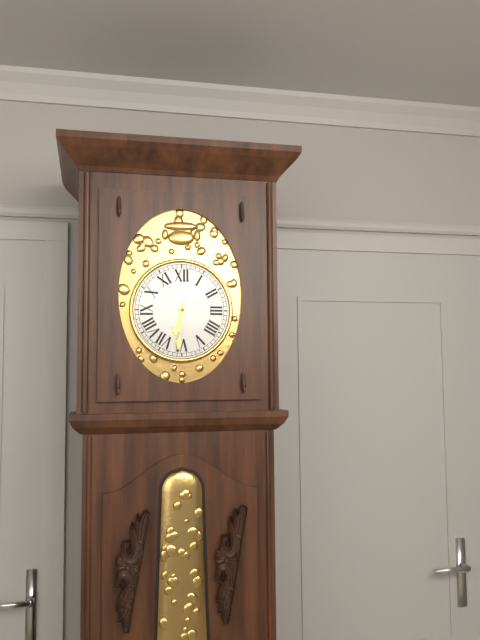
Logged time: **6:31**
